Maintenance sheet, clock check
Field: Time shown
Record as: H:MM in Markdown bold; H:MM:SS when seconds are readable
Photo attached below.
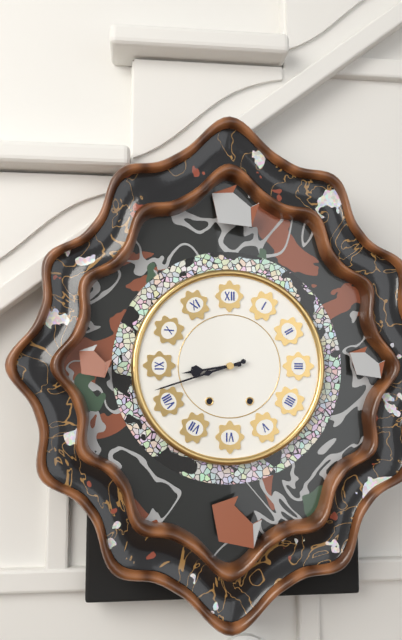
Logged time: **8:42**
